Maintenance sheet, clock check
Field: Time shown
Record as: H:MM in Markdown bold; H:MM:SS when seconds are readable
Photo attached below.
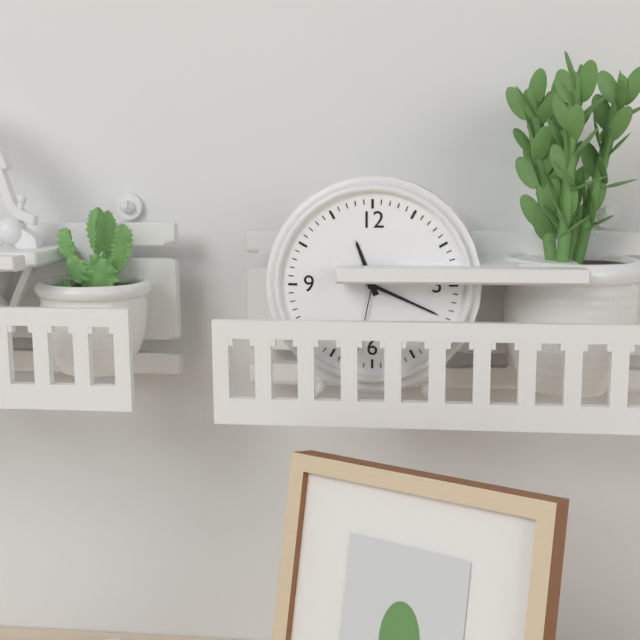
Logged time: **11:19**
